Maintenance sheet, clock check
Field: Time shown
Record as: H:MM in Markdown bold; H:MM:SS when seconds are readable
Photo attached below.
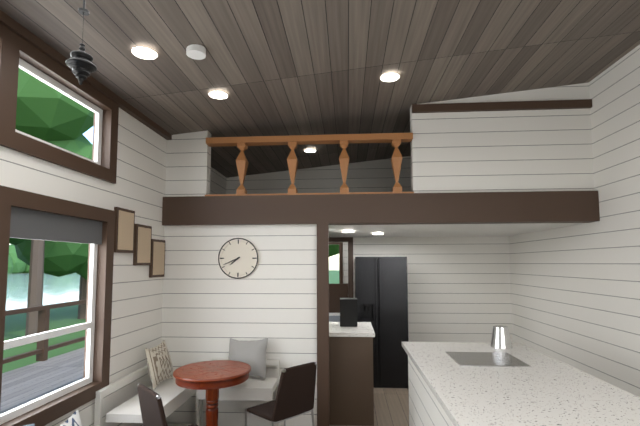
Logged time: **7:41**
